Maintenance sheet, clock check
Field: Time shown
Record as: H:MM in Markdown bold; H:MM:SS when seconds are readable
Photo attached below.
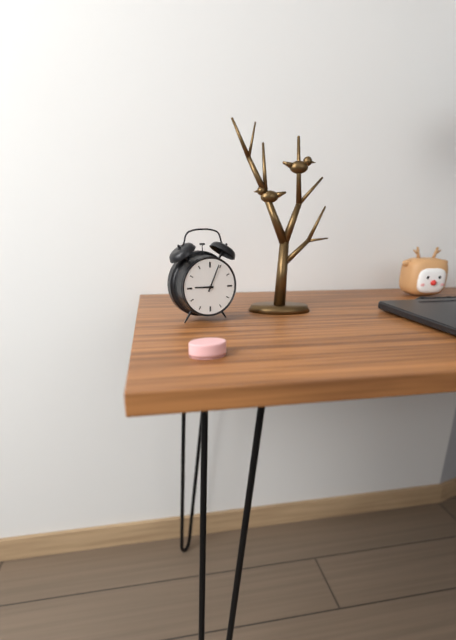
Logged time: **9:04**
